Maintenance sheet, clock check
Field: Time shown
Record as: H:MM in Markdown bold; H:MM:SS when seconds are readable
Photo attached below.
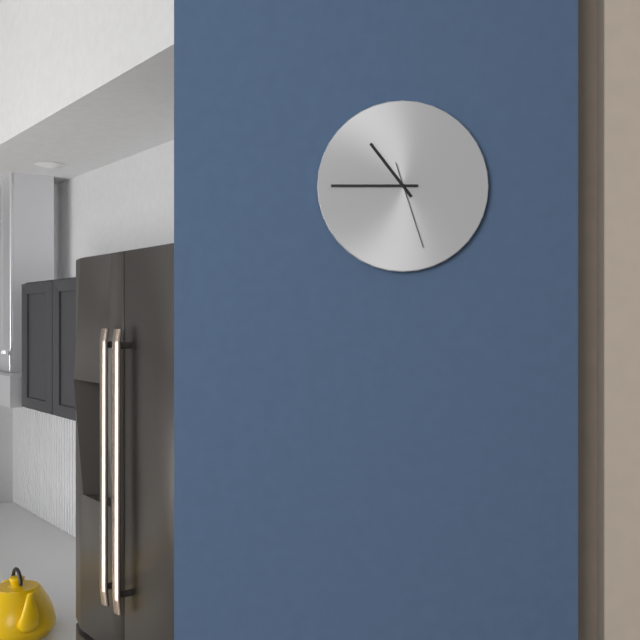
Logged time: **10:45:27**
